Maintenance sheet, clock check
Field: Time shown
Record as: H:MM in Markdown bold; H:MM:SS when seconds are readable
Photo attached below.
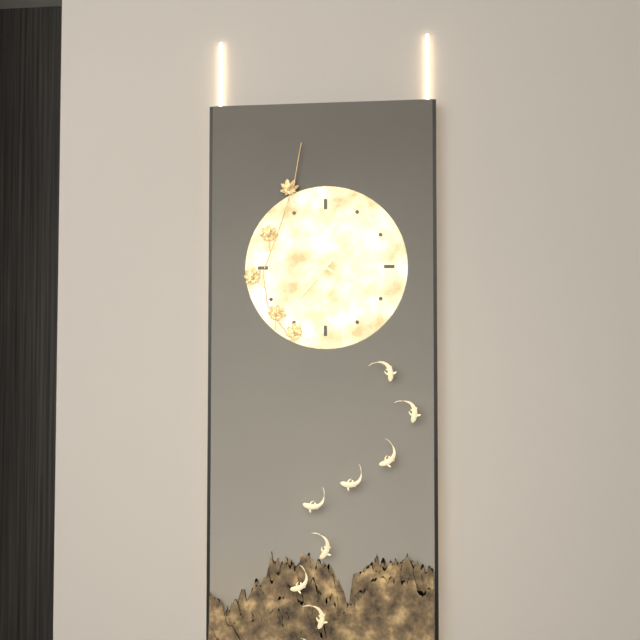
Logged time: **7:20**
